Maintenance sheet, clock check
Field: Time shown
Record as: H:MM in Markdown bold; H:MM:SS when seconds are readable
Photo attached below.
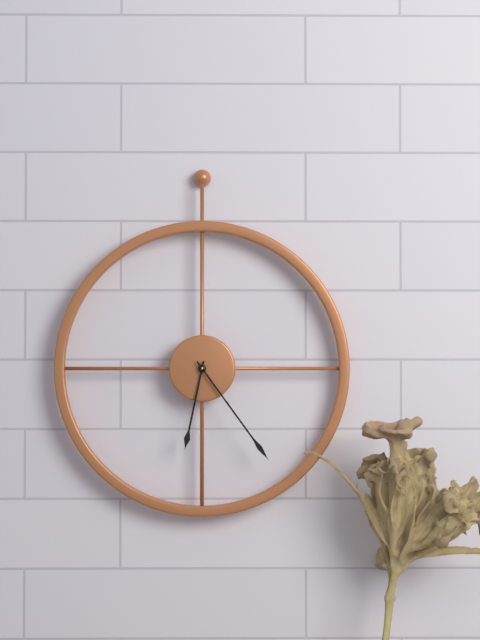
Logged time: **6:24**
